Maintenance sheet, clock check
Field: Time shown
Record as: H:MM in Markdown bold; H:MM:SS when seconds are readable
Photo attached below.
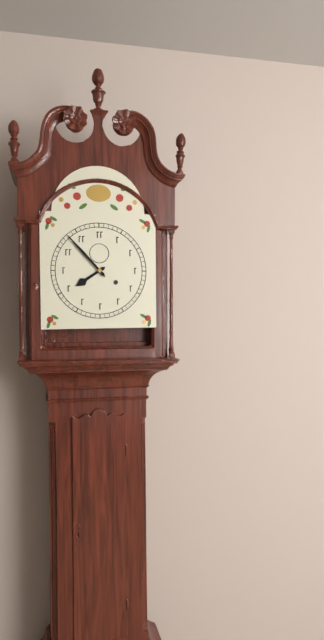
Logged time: **7:53**
